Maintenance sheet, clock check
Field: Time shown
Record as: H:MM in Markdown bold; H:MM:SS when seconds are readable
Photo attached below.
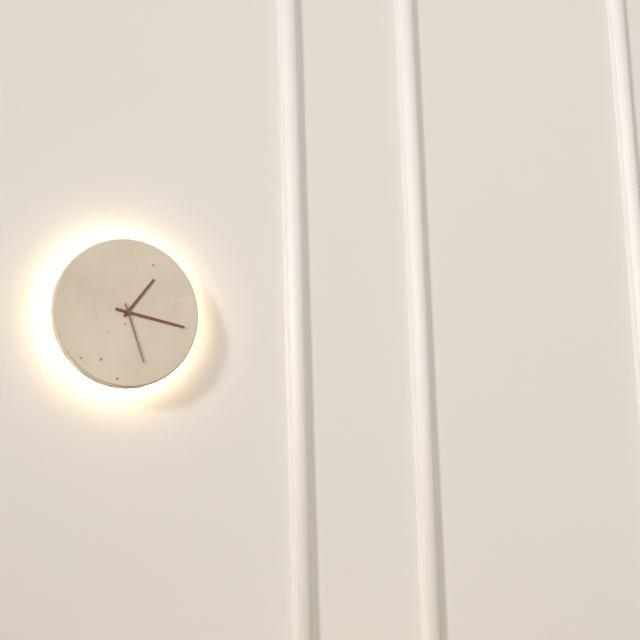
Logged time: **1:17:27**
